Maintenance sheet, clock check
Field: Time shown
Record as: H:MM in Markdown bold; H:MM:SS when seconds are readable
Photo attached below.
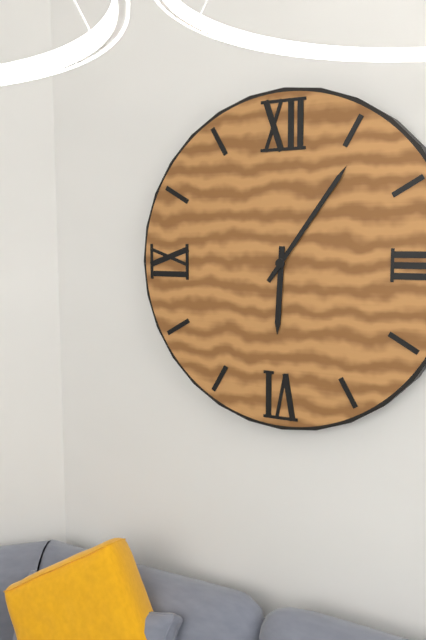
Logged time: **6:06**
